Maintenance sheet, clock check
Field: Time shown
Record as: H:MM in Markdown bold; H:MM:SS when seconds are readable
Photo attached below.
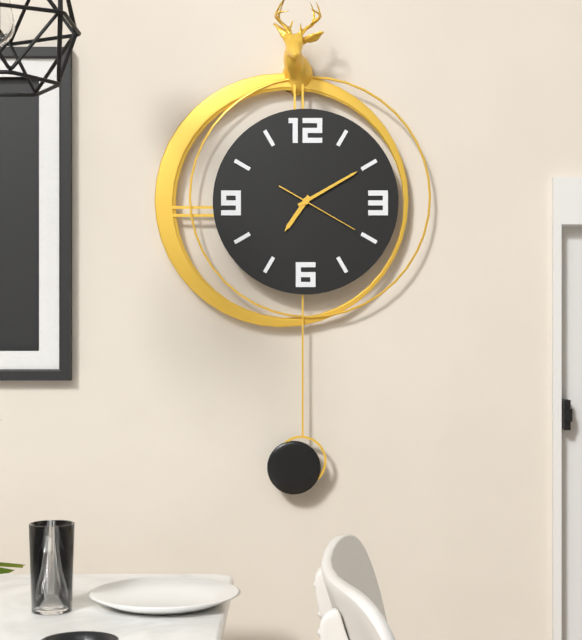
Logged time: **7:10:20**
